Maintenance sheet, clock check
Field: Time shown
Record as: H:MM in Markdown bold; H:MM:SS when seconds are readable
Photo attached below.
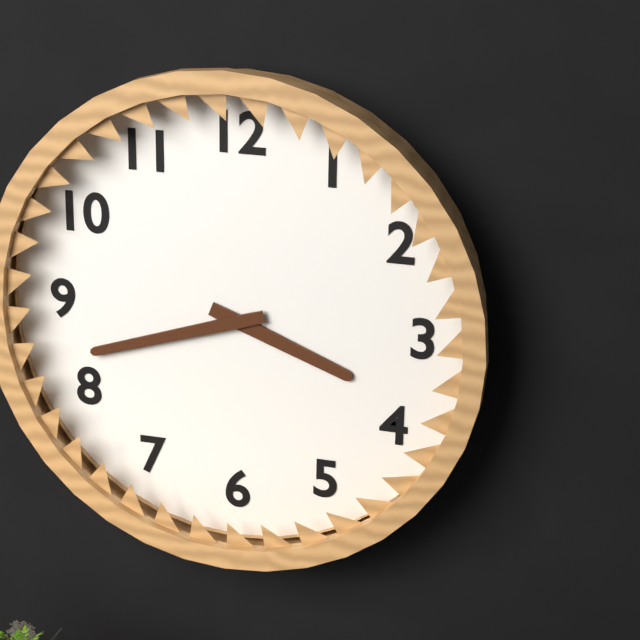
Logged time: **3:42**
